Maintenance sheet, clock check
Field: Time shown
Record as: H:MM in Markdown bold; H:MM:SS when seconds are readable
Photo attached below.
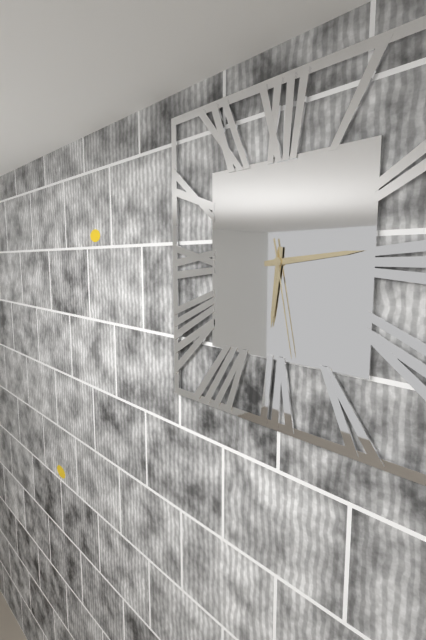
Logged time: **6:14:28**
